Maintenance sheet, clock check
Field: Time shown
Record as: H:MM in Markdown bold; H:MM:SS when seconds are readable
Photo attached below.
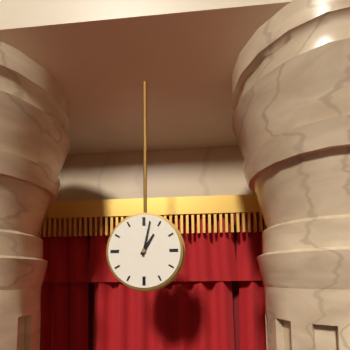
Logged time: **1:02**
